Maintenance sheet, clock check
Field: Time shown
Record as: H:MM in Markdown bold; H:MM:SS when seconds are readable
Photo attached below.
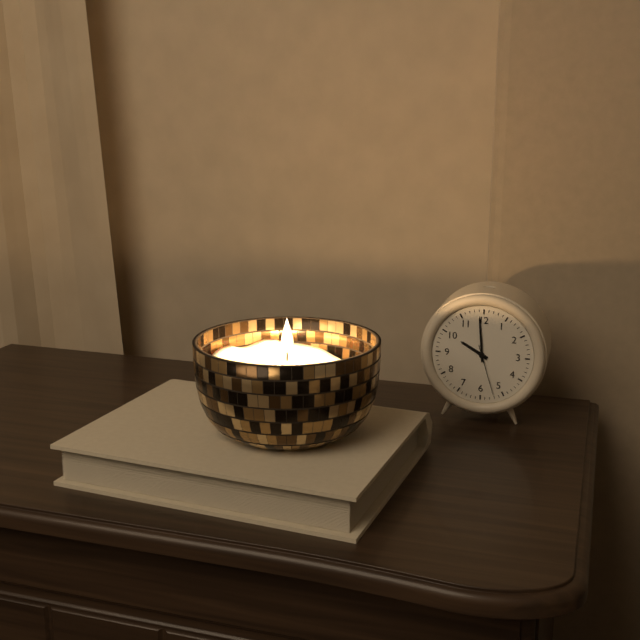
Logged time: **9:59:27**
